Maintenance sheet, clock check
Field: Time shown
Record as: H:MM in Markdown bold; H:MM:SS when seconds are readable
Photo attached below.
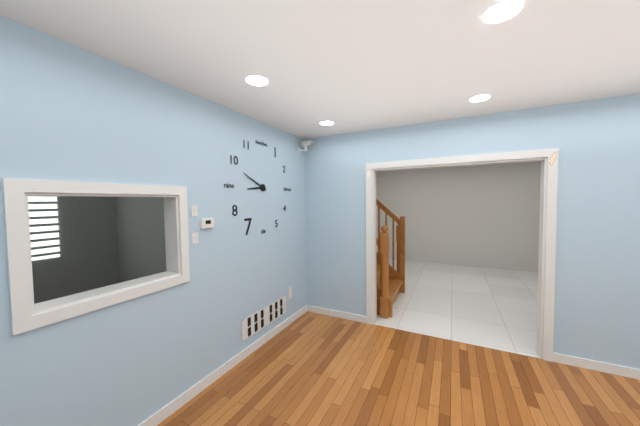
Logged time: **8:49**
